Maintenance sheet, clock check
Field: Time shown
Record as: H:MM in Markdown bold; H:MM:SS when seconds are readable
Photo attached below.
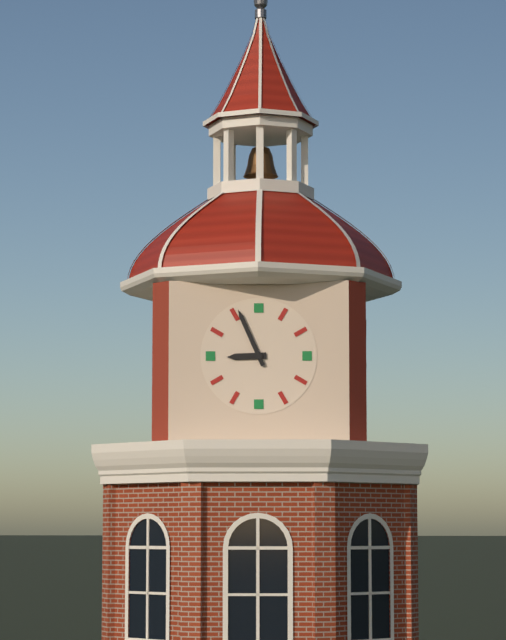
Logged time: **8:56**
